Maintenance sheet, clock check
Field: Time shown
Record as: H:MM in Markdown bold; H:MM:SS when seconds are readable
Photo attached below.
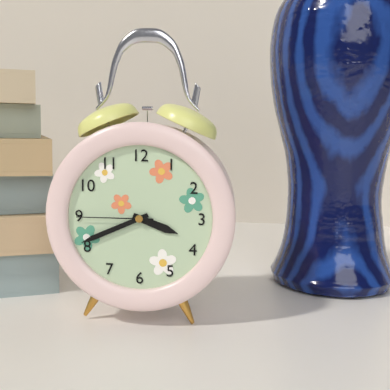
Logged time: **3:41:45**
